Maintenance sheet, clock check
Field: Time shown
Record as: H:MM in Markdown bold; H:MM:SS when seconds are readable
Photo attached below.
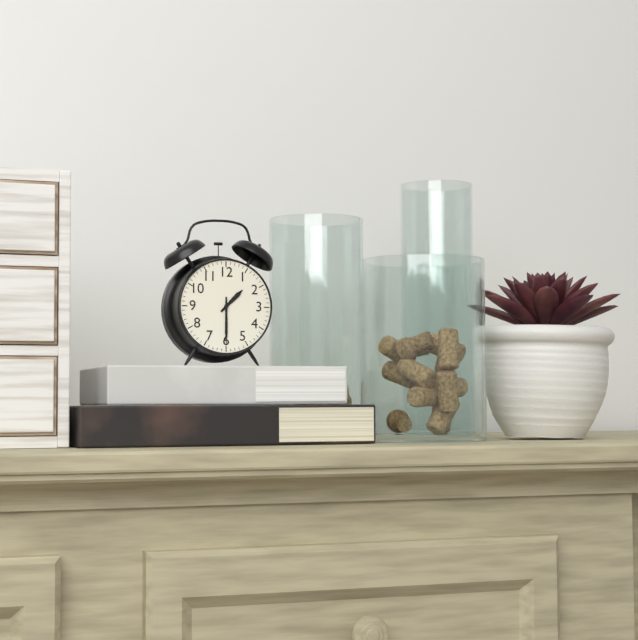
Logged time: **1:30**
